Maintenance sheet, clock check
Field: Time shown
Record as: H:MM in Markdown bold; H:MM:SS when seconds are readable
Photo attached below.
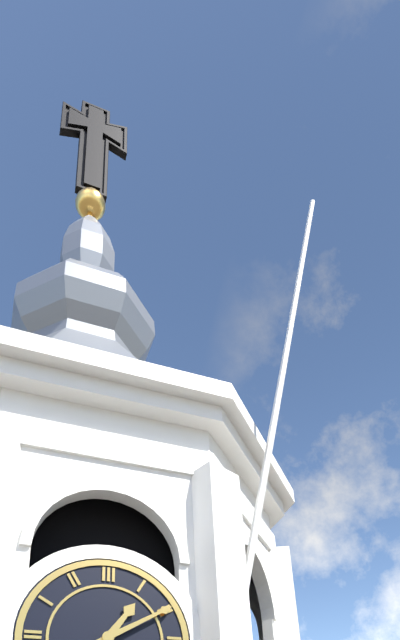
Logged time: **1:10**
